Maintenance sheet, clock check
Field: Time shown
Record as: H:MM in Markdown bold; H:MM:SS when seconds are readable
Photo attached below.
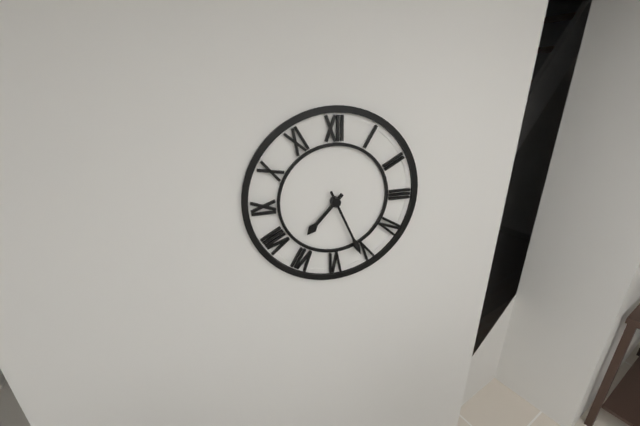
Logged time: **7:26**
